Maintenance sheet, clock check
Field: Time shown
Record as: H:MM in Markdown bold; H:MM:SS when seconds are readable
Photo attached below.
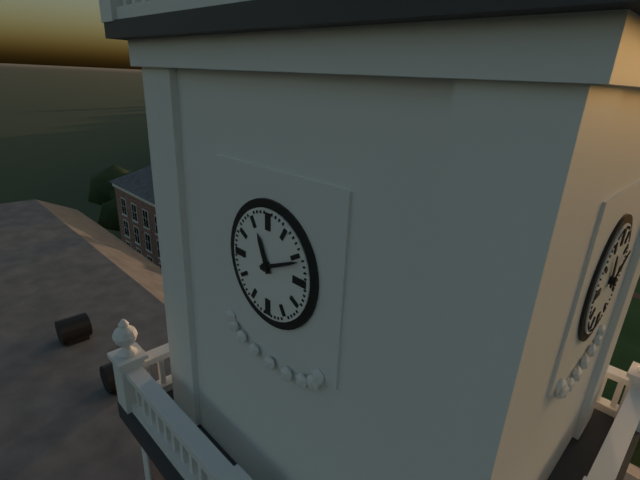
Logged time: **11:11**
